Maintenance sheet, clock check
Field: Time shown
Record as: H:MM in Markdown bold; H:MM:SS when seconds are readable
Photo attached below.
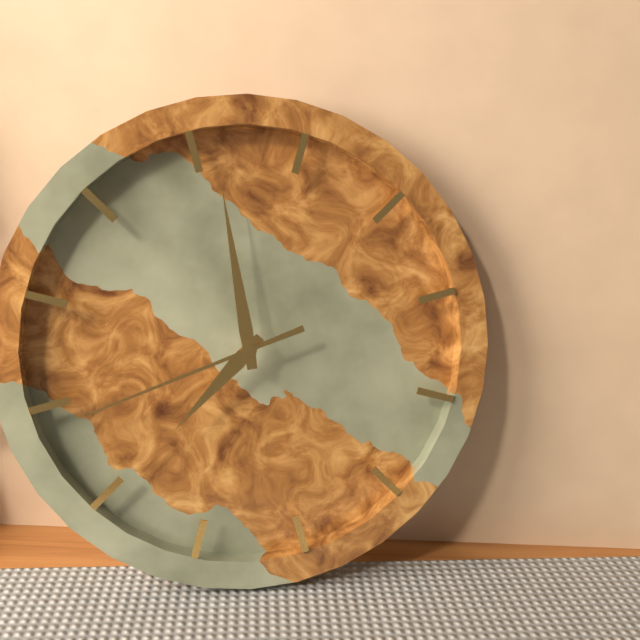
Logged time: **6:56:39**
